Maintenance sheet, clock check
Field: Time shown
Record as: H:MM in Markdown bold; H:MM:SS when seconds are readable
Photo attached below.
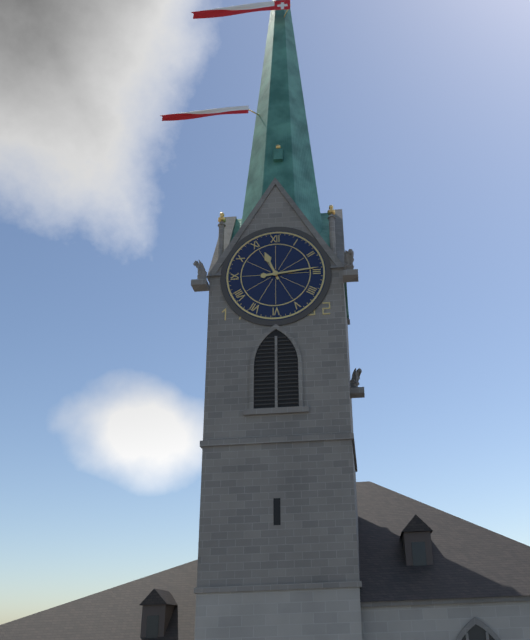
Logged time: **11:14**
